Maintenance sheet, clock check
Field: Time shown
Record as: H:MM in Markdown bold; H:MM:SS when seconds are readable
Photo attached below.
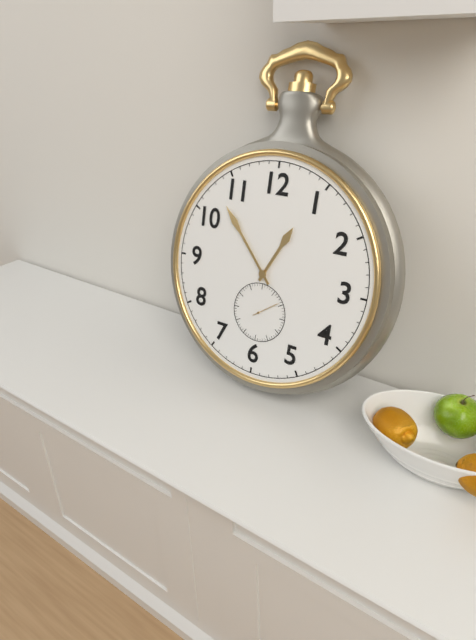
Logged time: **12:53**
